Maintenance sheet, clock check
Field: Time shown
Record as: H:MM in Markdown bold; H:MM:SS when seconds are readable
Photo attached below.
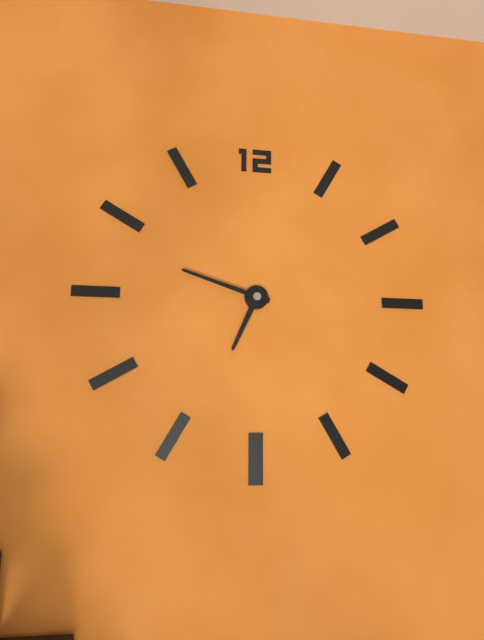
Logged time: **6:48**
